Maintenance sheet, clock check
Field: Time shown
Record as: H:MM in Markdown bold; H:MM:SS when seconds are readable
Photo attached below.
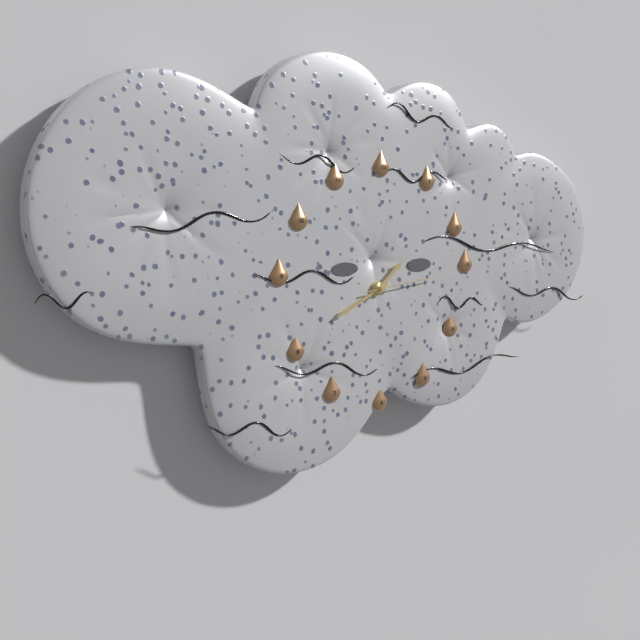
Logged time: **1:41:14**
